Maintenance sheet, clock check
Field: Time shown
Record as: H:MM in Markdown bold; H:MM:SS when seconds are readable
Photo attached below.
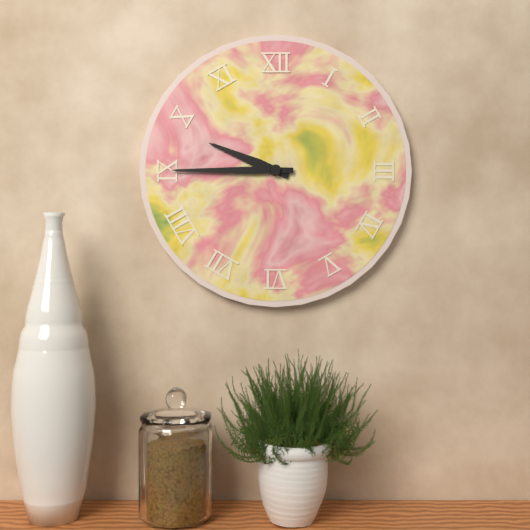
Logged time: **9:45**
